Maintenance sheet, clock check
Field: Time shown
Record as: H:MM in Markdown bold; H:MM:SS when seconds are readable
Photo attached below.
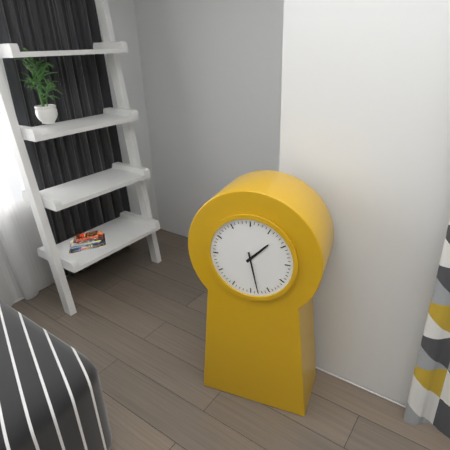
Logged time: **1:28**
